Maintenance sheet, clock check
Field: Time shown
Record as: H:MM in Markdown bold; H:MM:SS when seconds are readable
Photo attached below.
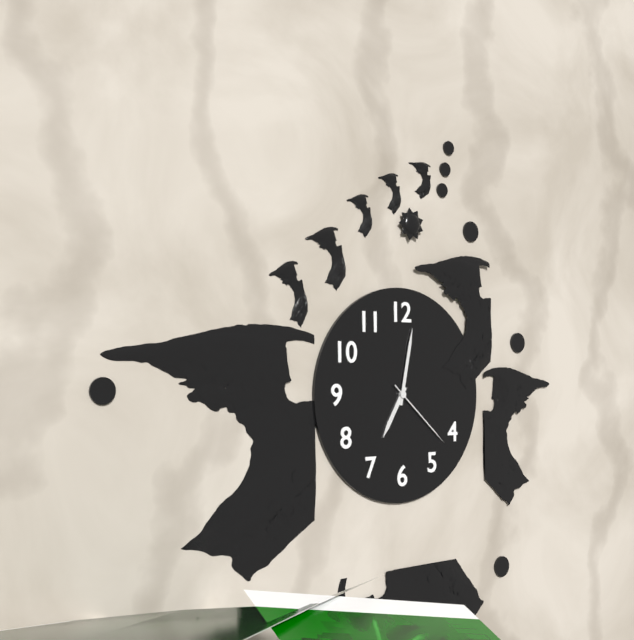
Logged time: **7:02:22**
